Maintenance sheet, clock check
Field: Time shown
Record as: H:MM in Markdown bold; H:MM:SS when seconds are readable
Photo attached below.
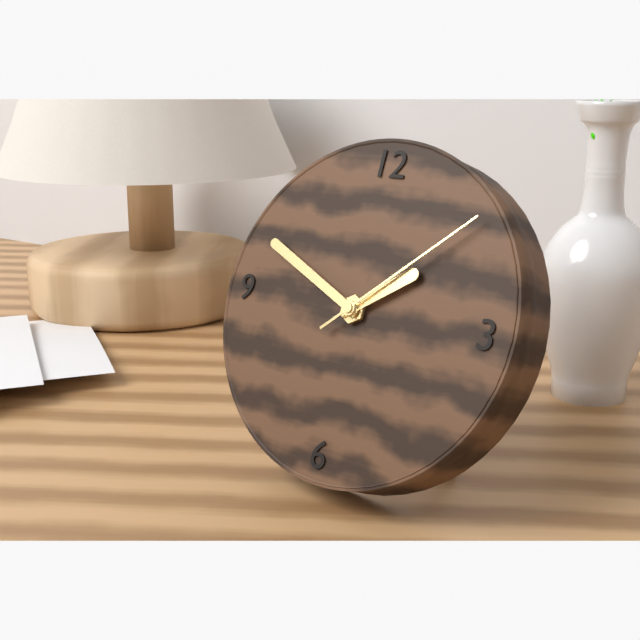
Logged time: **1:49:08**
